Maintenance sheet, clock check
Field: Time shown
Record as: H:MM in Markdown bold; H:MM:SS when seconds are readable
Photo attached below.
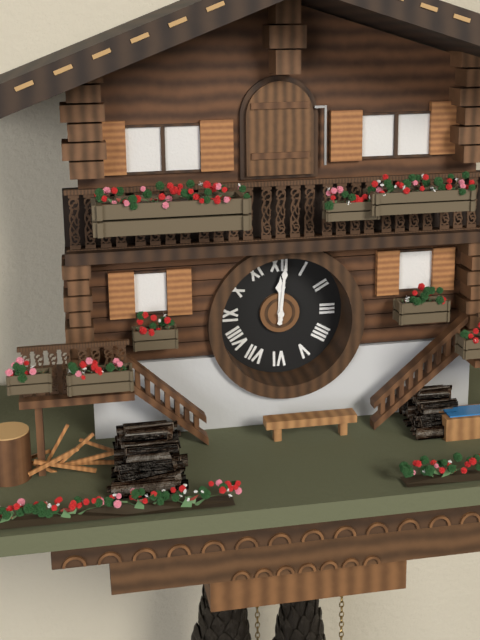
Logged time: **12:01**
